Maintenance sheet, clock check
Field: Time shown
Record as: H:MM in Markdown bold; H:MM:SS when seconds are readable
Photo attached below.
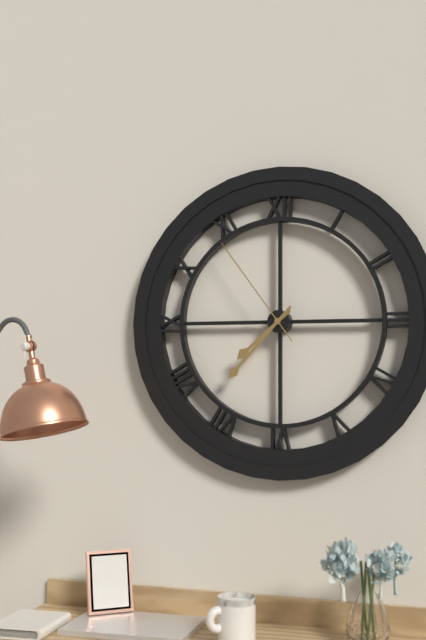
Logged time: **7:37:54**
